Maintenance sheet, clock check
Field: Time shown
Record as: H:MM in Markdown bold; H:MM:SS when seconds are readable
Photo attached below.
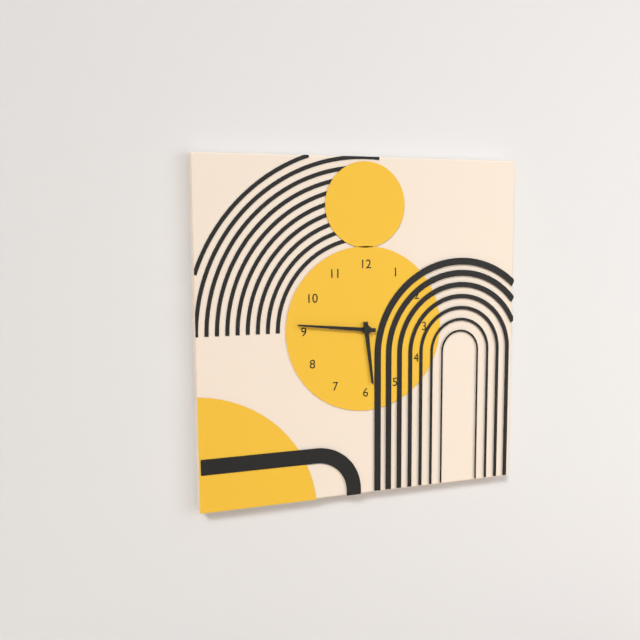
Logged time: **5:46**
